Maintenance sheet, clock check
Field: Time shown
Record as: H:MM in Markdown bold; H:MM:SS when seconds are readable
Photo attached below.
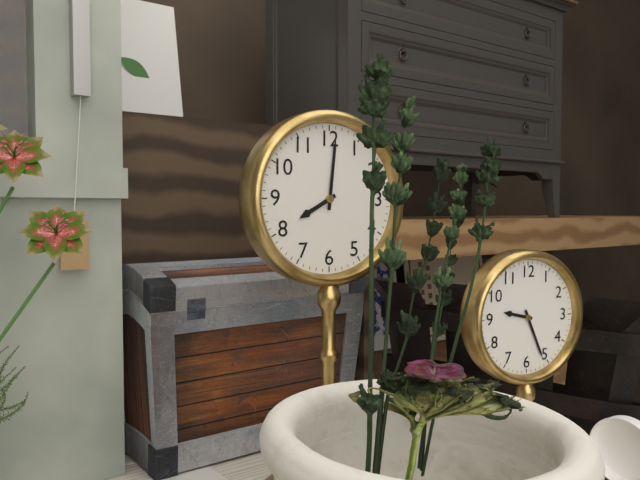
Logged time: **8:01**
